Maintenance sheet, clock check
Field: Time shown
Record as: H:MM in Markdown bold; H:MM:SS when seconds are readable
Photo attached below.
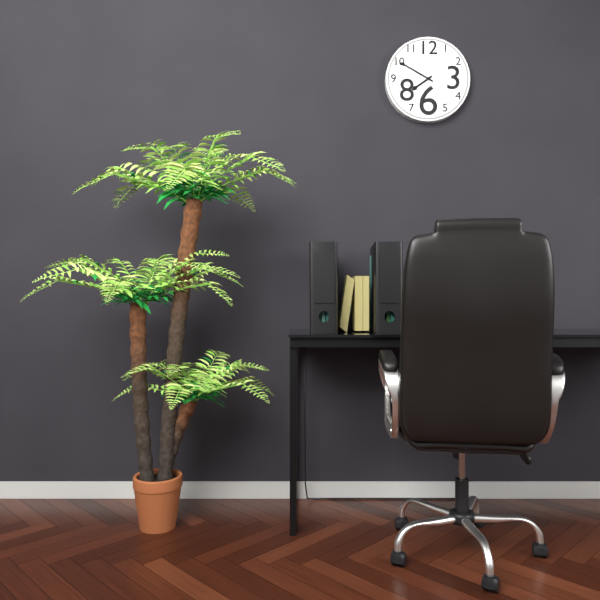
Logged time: **7:50**
